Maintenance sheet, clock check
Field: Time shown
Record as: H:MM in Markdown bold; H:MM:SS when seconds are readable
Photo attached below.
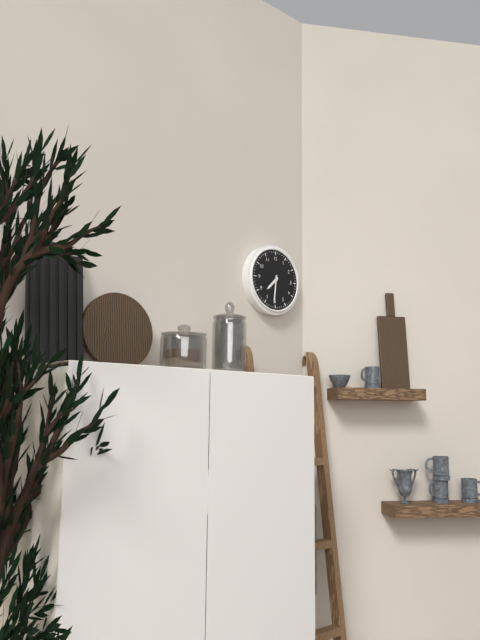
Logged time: **7:31**
